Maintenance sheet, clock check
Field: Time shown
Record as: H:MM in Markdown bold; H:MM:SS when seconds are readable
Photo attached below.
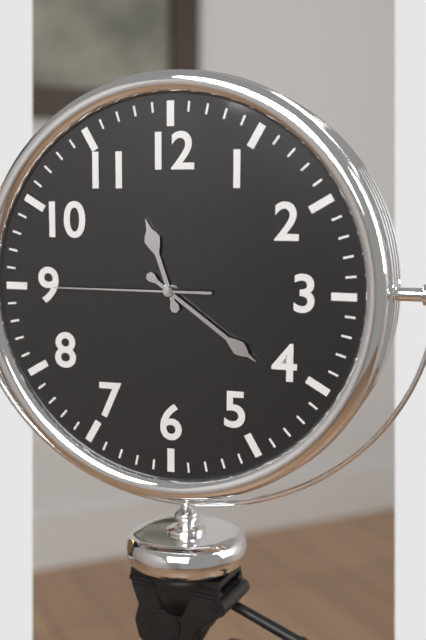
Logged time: **11:21:45**
